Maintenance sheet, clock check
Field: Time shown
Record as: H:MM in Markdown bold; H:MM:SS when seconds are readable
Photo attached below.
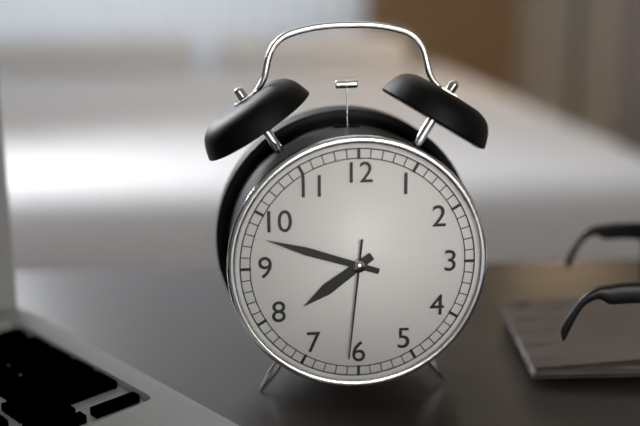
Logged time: **7:48:31**
